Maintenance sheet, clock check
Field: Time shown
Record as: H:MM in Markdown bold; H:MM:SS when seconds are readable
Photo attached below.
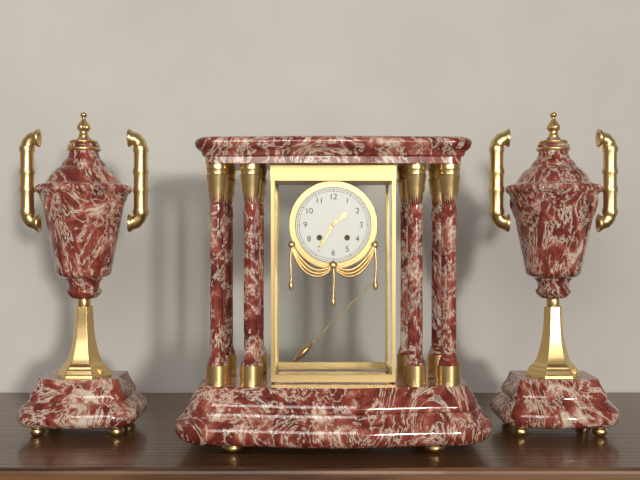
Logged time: **1:35**
